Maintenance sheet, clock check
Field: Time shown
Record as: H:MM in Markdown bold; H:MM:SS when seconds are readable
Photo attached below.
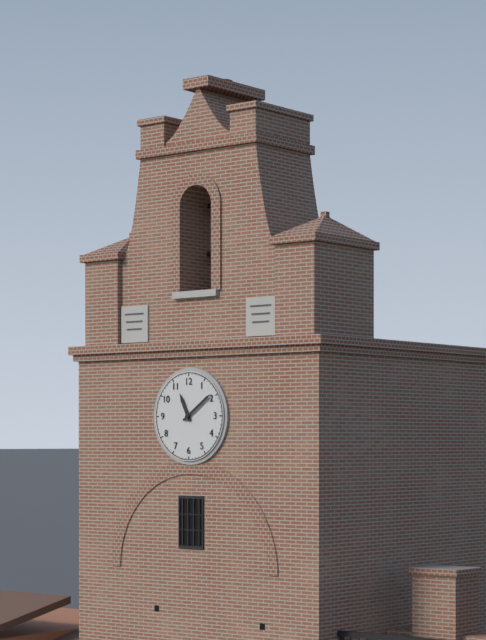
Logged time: **11:09**
